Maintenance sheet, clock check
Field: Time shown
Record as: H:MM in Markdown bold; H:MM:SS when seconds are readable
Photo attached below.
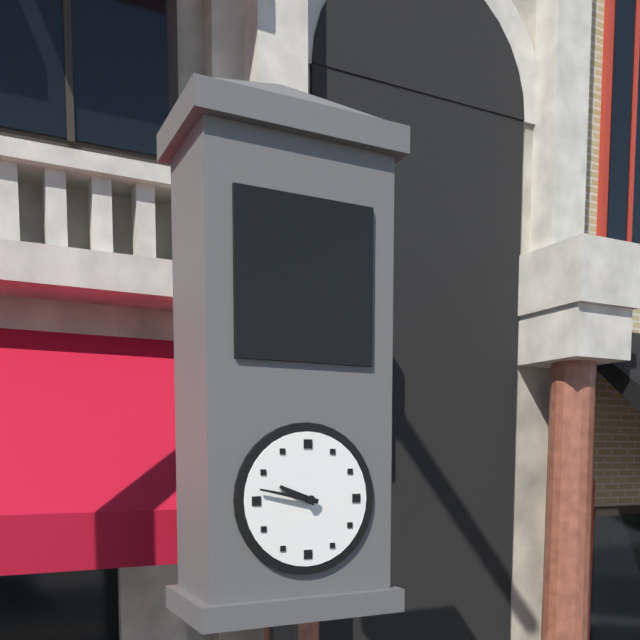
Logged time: **9:47**
